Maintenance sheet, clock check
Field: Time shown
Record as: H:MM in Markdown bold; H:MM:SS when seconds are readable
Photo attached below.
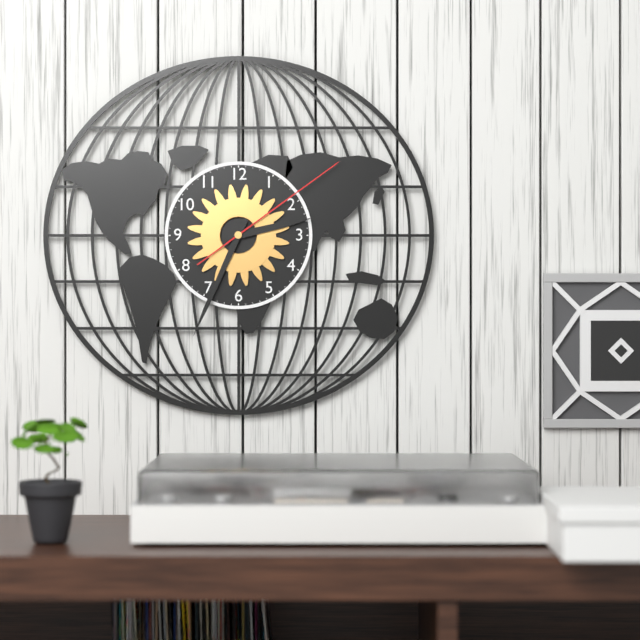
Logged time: **2:34:09**
